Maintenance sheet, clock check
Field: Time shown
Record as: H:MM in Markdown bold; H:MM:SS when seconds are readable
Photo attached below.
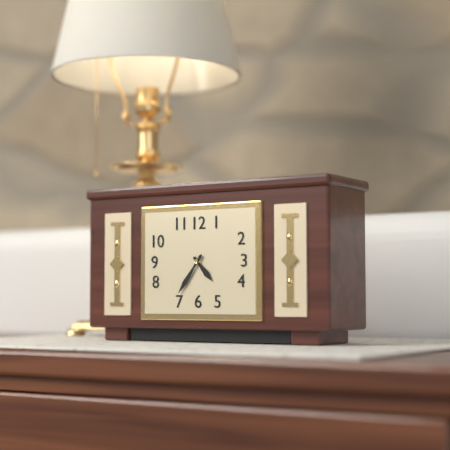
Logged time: **4:36**
